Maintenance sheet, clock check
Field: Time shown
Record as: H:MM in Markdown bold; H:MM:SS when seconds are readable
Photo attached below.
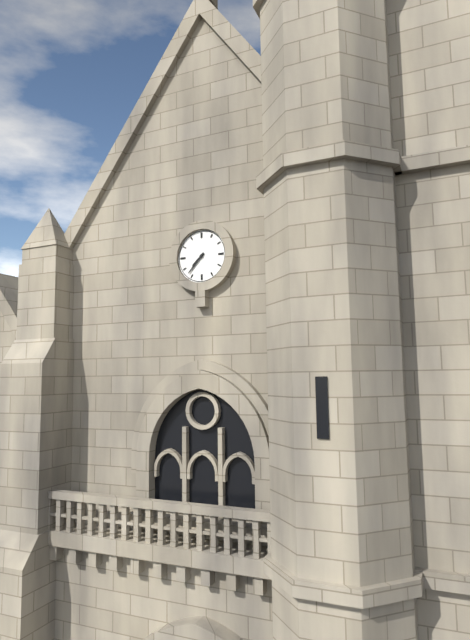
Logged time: **7:37**
